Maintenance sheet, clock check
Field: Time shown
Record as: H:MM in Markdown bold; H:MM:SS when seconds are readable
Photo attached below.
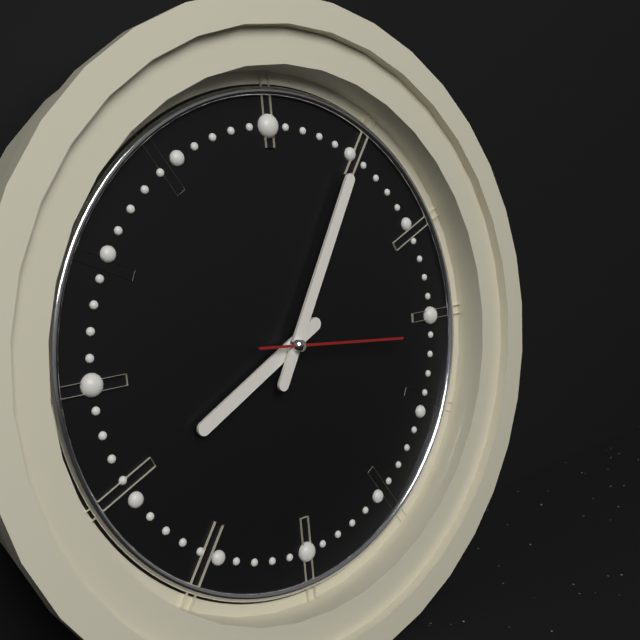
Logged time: **8:05:16**
